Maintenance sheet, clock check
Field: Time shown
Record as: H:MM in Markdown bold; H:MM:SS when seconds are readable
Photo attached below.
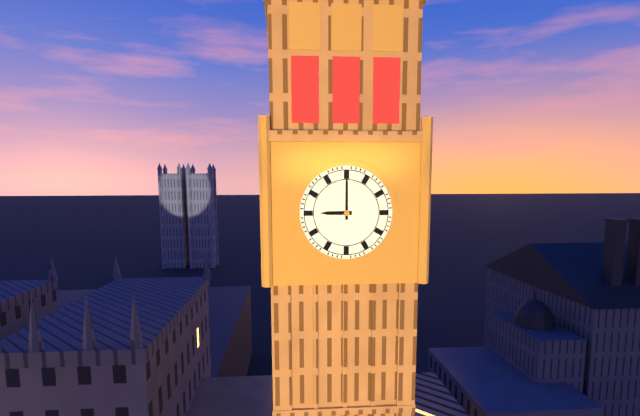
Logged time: **9:00**
